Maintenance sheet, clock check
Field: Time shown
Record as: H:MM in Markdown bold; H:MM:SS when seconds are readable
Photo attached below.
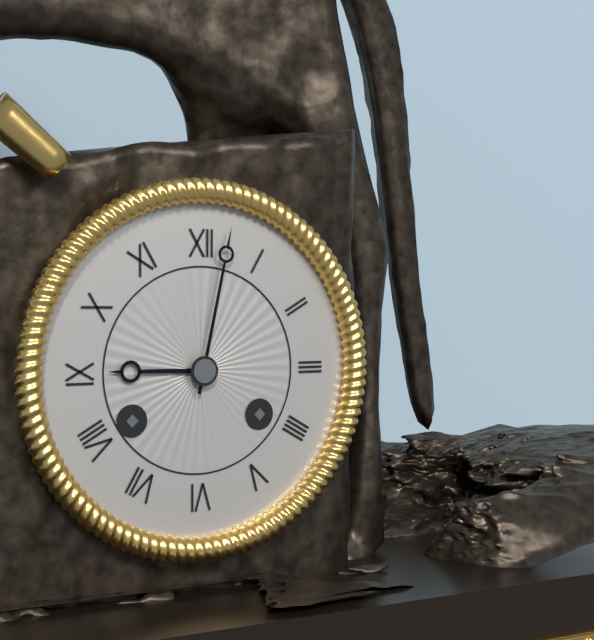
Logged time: **9:02**
